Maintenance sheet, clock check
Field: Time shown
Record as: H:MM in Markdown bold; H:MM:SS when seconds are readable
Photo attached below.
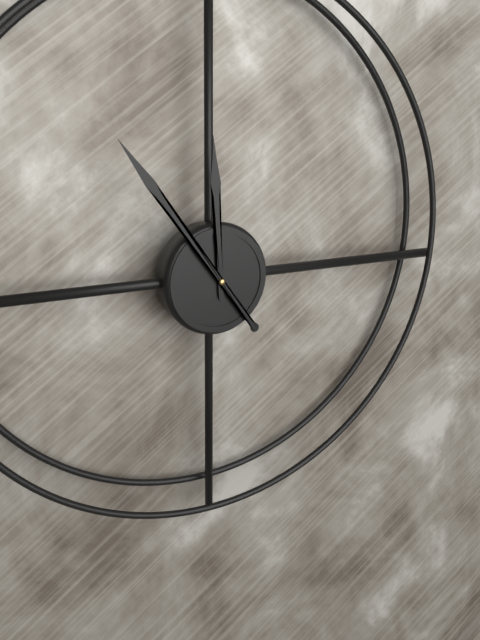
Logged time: **11:54**
